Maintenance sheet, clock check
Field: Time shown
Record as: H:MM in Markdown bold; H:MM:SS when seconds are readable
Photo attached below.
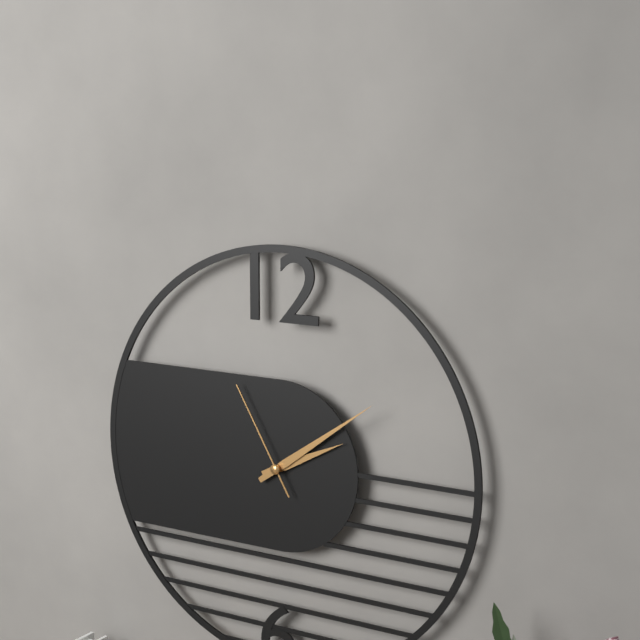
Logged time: **2:09:55**
